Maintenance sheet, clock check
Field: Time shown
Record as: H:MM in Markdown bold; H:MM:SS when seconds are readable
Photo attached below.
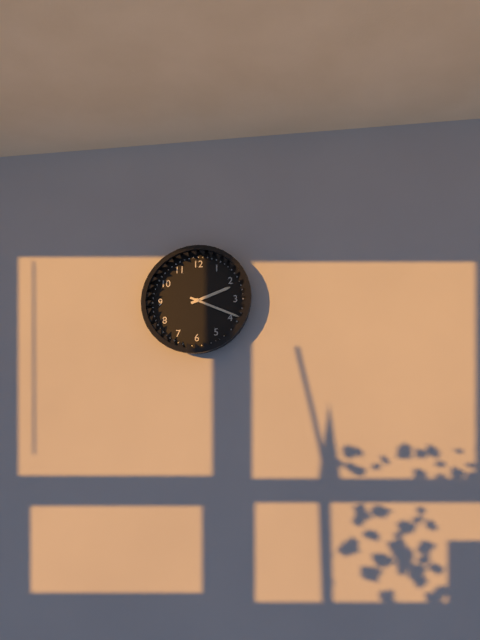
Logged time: **2:19**
